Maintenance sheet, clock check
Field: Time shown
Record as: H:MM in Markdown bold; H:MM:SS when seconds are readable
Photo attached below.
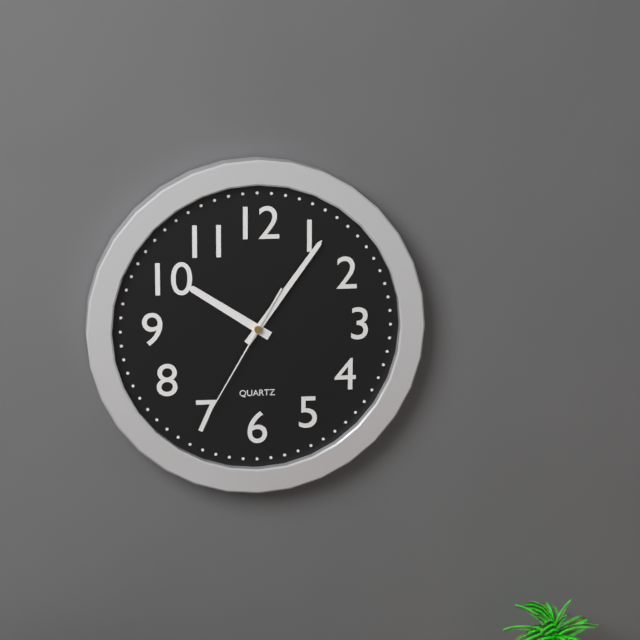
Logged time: **10:06:35**
